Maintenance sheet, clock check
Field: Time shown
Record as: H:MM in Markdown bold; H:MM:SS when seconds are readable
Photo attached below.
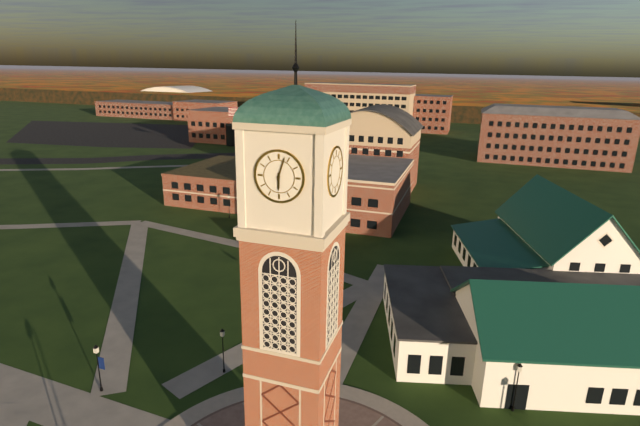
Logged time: **6:03**
